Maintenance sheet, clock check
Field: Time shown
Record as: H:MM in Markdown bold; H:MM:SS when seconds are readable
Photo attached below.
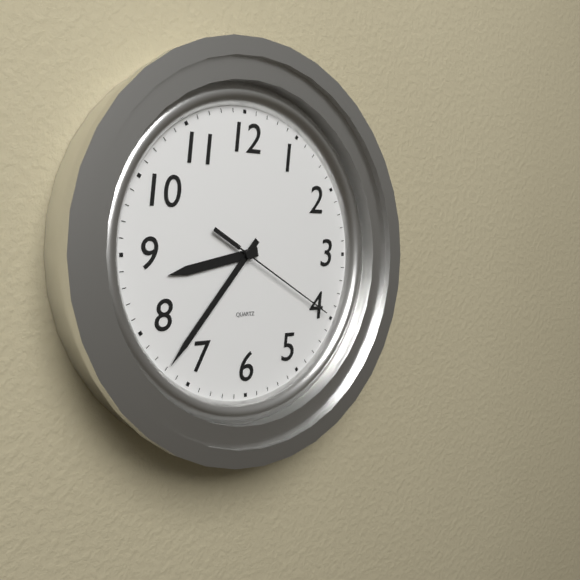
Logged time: **8:37:20**
